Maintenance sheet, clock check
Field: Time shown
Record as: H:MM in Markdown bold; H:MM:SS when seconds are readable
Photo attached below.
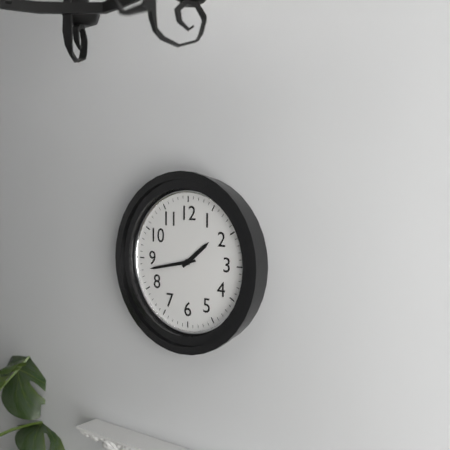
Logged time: **1:43**
